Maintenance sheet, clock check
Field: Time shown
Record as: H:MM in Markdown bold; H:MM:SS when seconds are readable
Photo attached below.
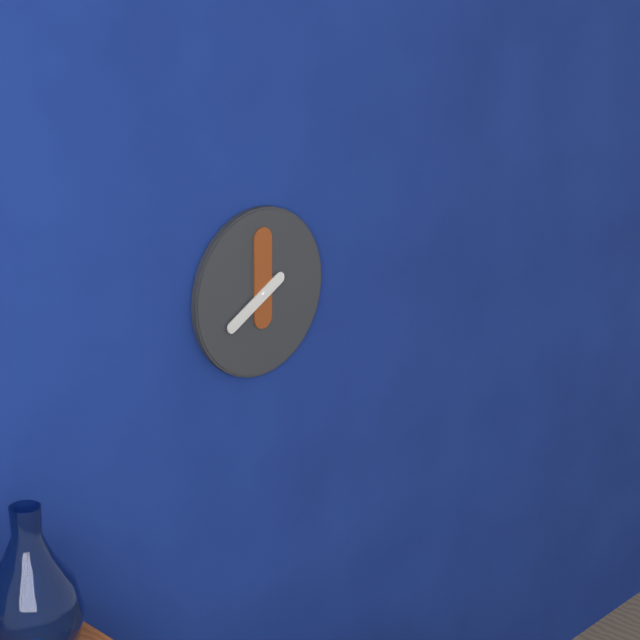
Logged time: **8:00**
